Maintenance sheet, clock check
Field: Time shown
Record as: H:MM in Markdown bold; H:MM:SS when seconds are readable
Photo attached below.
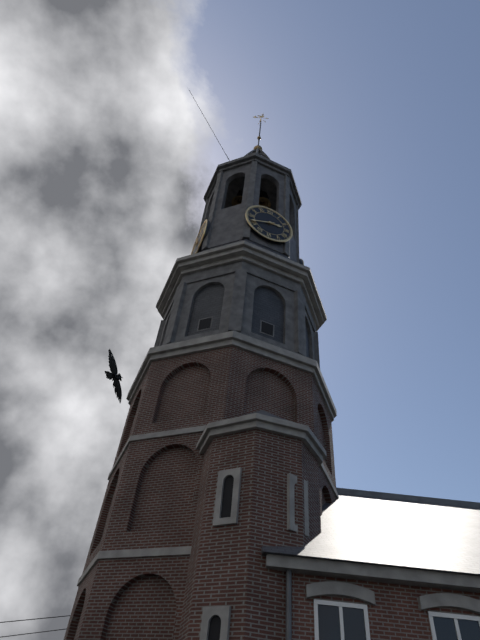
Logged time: **2:41**
